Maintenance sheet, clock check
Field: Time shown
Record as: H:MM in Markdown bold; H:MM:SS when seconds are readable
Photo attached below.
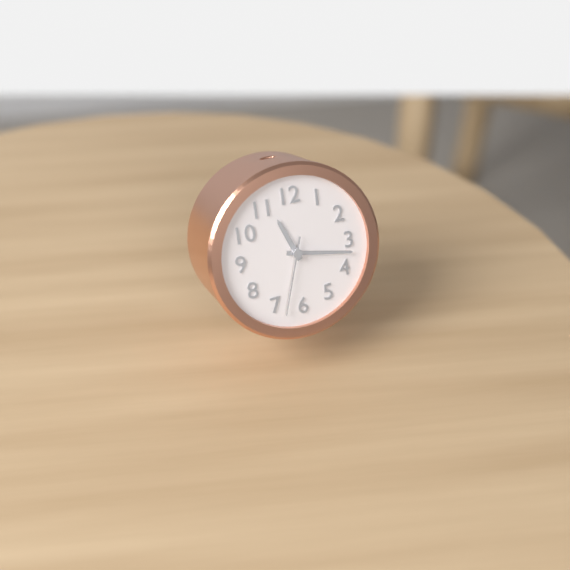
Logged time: **11:17:33**
